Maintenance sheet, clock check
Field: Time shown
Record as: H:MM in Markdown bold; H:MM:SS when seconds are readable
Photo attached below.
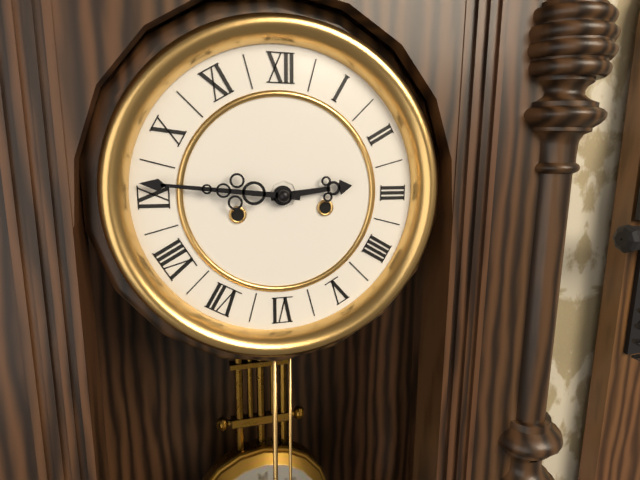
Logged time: **2:46**
